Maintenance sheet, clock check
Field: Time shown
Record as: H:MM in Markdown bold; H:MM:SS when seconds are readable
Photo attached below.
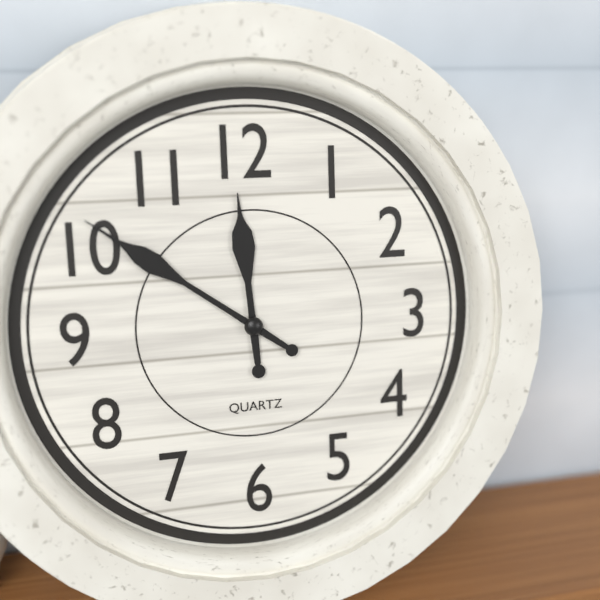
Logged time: **11:51**
